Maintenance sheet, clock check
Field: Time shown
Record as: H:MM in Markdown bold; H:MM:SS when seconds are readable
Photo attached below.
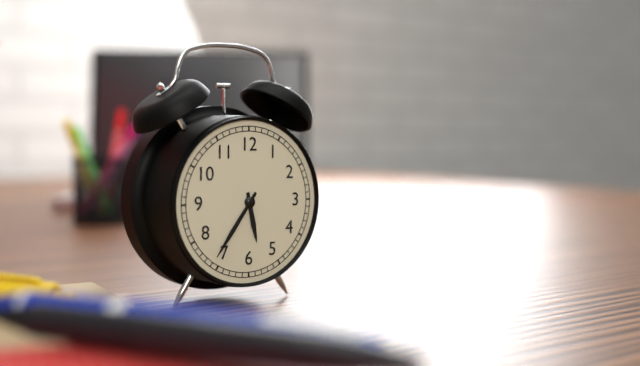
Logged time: **5:36**
